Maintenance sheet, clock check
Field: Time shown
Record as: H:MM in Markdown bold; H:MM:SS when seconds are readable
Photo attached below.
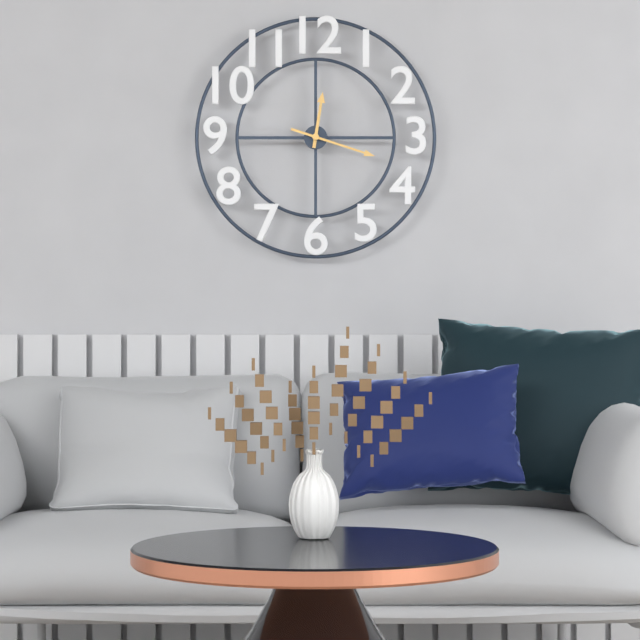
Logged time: **12:18**
